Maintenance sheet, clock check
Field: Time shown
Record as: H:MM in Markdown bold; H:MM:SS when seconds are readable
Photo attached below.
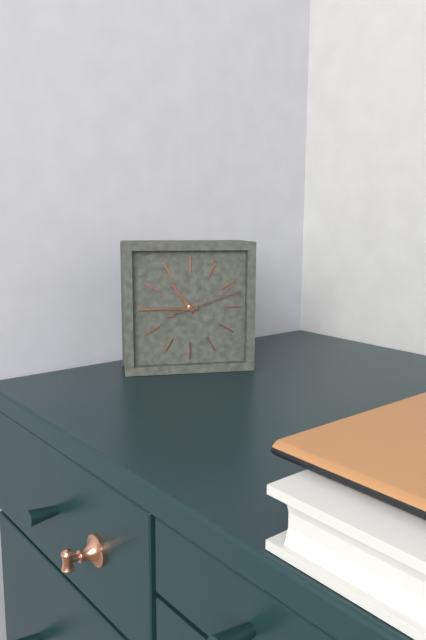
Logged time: **10:45:12**
